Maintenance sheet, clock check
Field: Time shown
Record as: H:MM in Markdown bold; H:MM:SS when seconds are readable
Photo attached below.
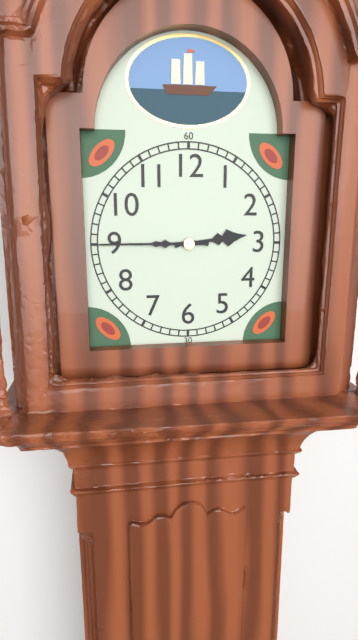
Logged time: **2:45**
